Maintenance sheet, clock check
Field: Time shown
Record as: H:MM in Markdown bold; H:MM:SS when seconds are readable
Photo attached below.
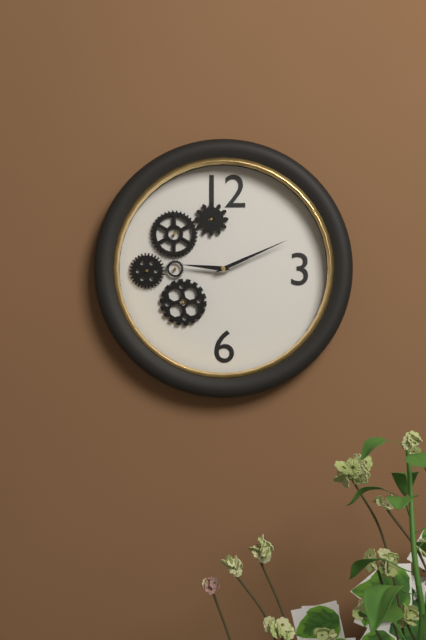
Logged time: **9:11**
